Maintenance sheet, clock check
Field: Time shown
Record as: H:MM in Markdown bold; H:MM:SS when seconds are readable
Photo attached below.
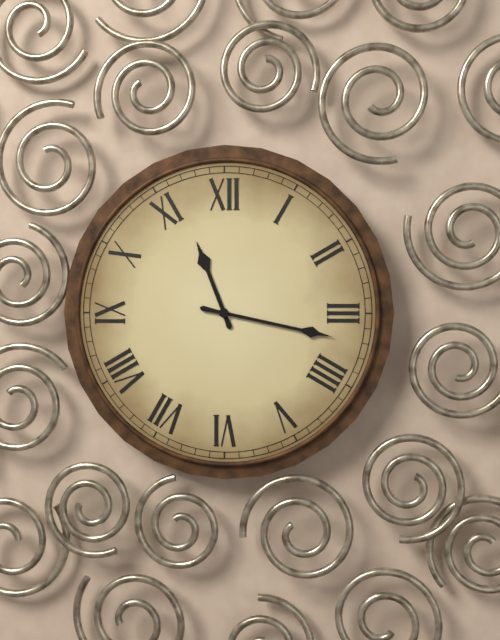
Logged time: **11:17**
